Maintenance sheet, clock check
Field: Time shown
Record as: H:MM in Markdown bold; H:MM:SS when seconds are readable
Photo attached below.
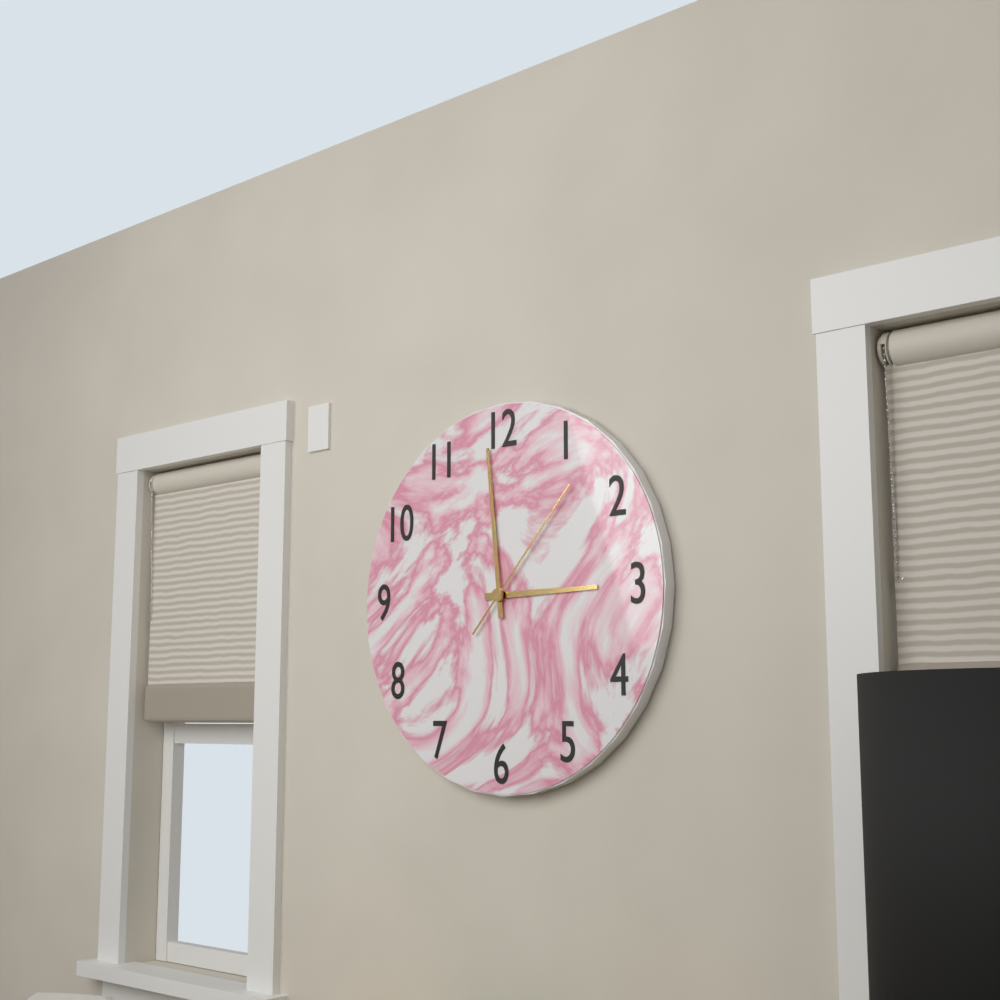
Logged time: **2:59:07**
